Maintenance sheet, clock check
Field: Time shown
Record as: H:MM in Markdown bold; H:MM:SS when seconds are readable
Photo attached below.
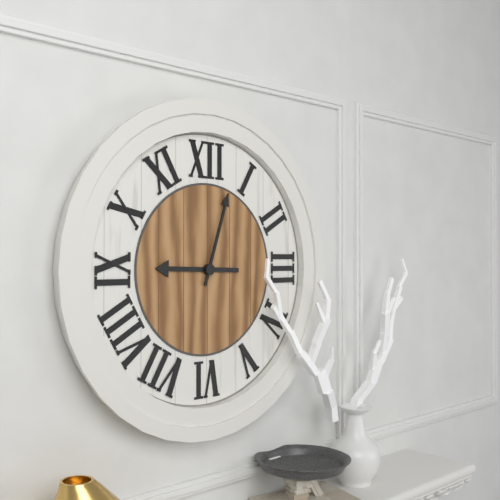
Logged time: **9:03**
